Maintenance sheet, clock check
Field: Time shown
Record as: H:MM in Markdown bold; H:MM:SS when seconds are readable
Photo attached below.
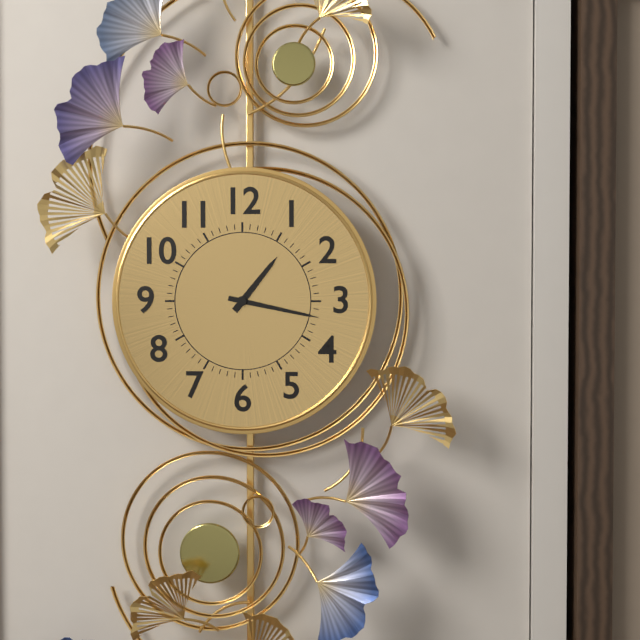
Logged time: **1:17**
